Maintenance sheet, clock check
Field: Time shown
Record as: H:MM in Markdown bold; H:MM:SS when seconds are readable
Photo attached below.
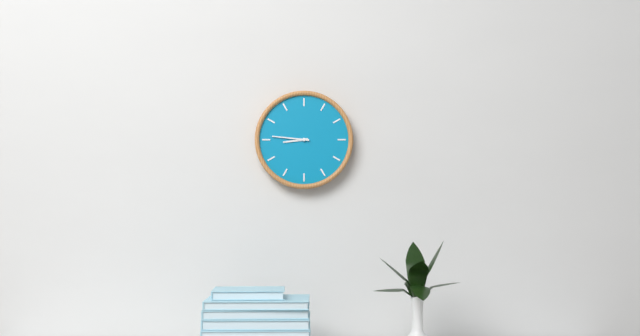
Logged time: **8:46**
